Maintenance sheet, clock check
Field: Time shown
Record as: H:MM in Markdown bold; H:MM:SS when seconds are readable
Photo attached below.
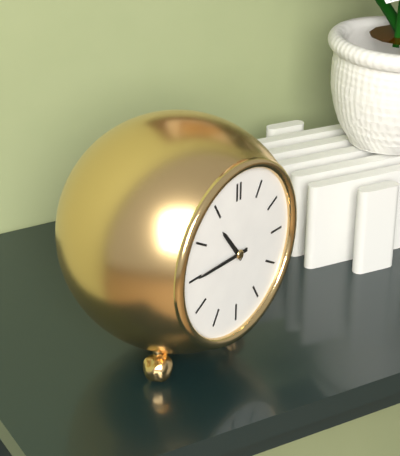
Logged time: **10:45**
